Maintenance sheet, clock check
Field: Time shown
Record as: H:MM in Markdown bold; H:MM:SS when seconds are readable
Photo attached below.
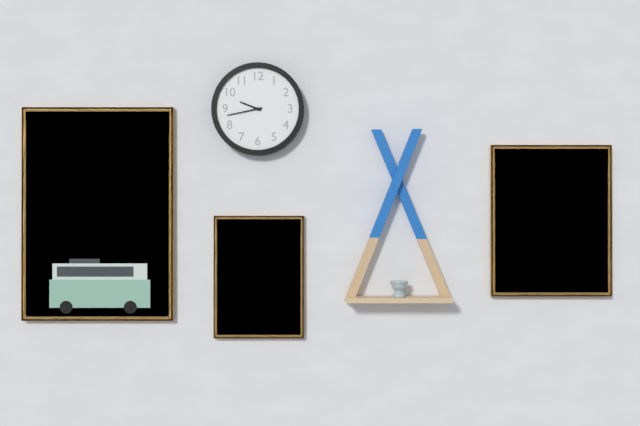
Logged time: **9:43**
